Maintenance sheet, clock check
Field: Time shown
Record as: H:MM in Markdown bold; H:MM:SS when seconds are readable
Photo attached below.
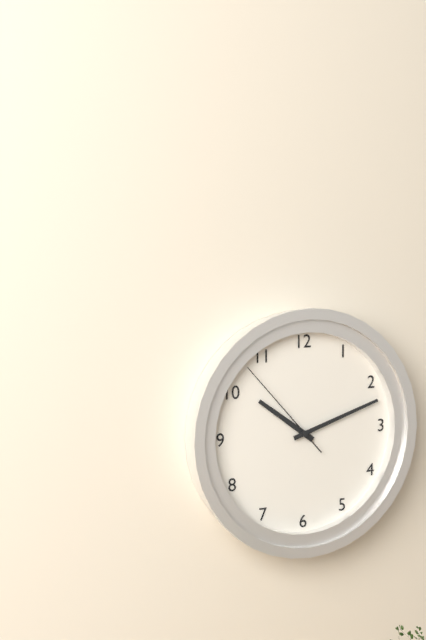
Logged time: **10:12:53**
